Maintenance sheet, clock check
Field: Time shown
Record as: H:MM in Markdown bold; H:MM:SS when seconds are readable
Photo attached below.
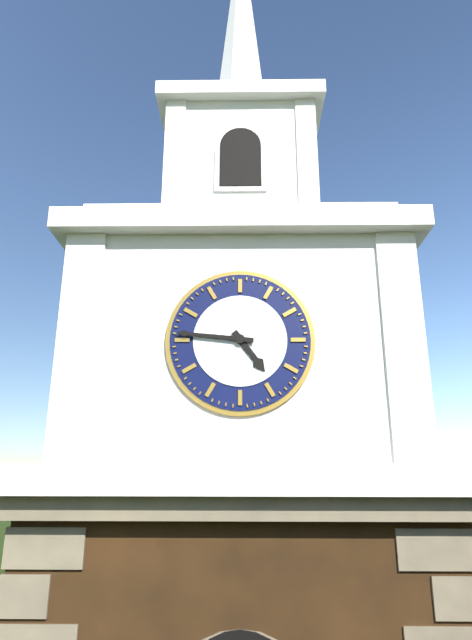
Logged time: **4:46**
